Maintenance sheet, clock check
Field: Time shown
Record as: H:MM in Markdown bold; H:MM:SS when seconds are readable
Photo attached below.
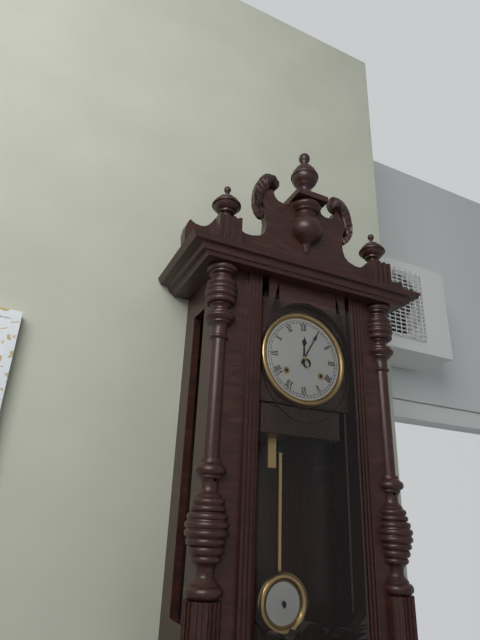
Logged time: **12:05**
